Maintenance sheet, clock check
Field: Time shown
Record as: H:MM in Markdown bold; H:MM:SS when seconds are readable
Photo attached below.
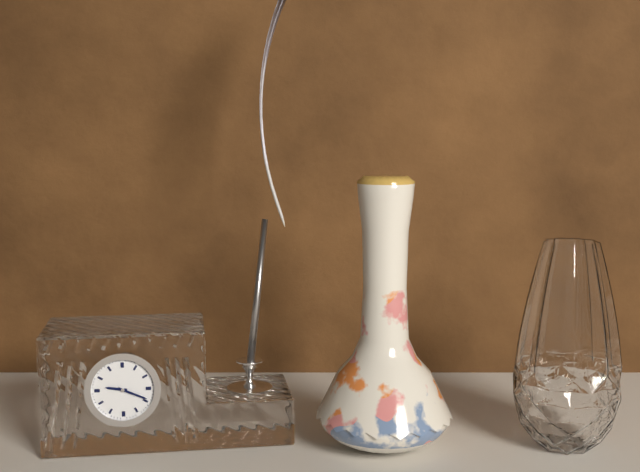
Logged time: **9:19**
